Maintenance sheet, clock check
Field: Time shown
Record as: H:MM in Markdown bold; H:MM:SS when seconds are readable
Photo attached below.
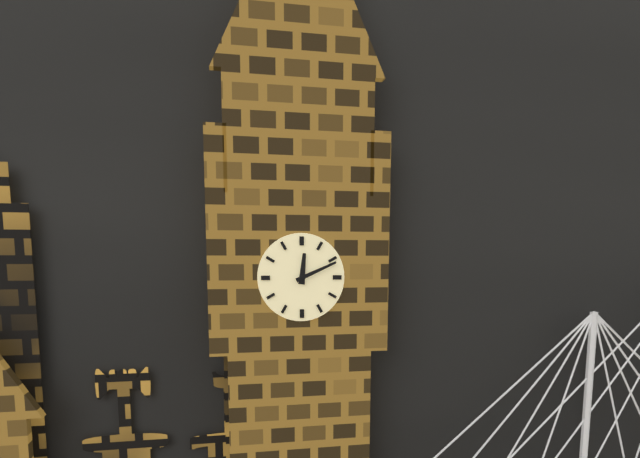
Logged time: **12:11**
